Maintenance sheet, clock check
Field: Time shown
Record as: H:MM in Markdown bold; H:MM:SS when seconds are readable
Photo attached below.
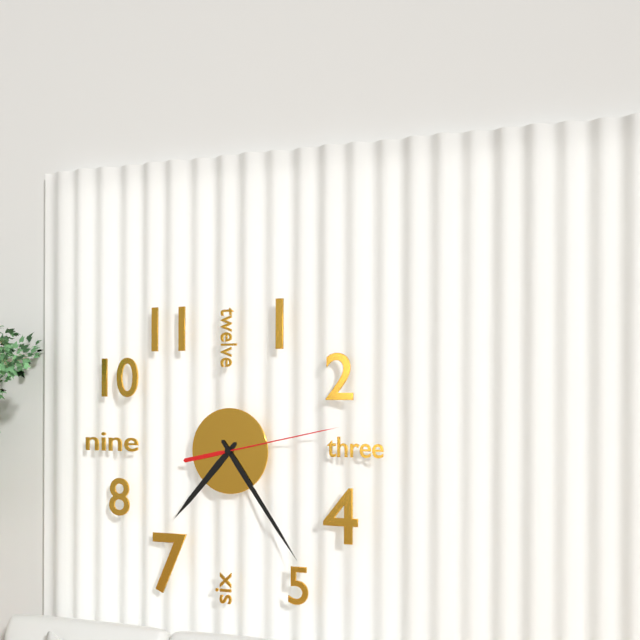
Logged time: **7:24:13**
